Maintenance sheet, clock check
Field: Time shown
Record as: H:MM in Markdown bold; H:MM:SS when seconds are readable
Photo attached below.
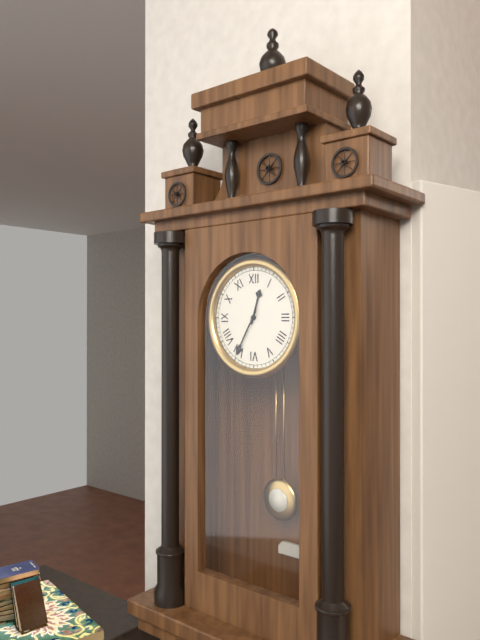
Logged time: **12:35**
